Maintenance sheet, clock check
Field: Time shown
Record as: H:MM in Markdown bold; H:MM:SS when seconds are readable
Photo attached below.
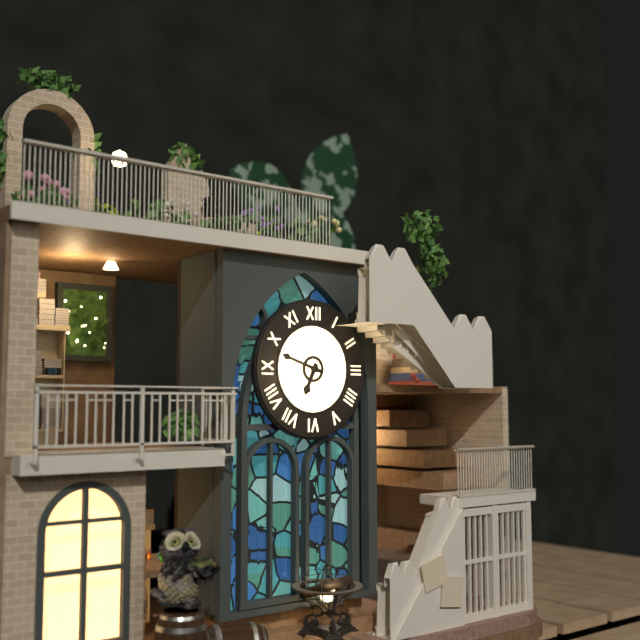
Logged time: **6:48**
